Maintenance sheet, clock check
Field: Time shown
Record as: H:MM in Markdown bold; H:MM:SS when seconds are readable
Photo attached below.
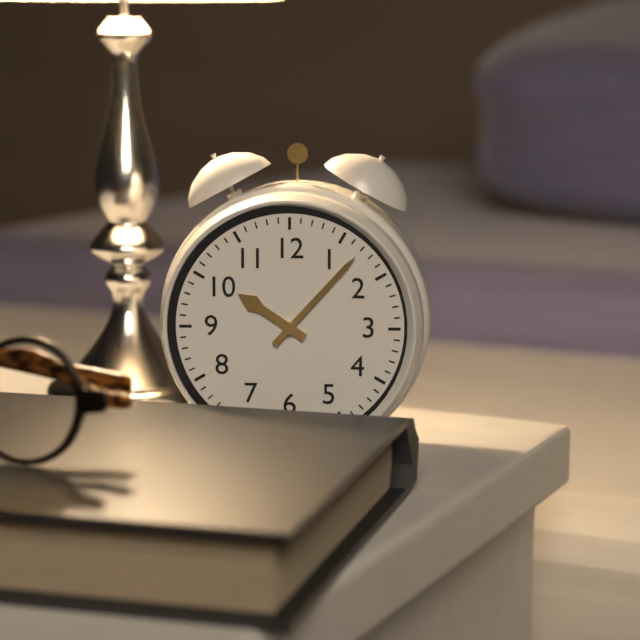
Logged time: **10:07**
